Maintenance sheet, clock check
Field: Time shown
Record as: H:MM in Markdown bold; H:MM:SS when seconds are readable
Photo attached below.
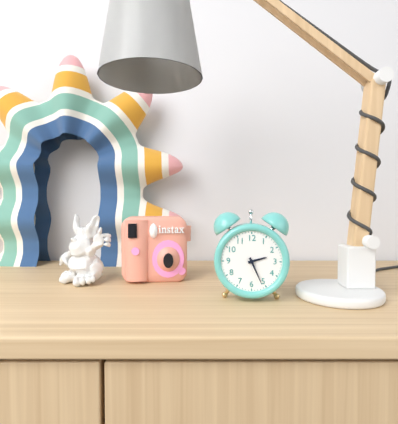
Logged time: **2:26**
